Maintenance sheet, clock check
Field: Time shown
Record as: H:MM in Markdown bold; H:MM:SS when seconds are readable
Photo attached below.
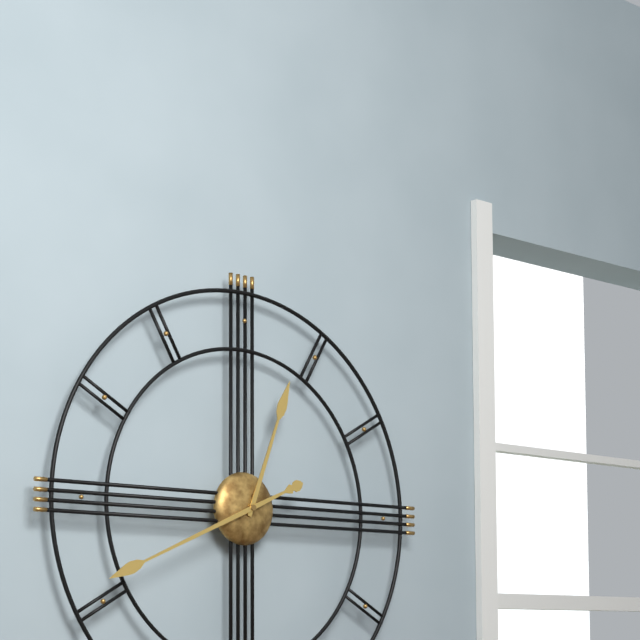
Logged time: **12:41**
